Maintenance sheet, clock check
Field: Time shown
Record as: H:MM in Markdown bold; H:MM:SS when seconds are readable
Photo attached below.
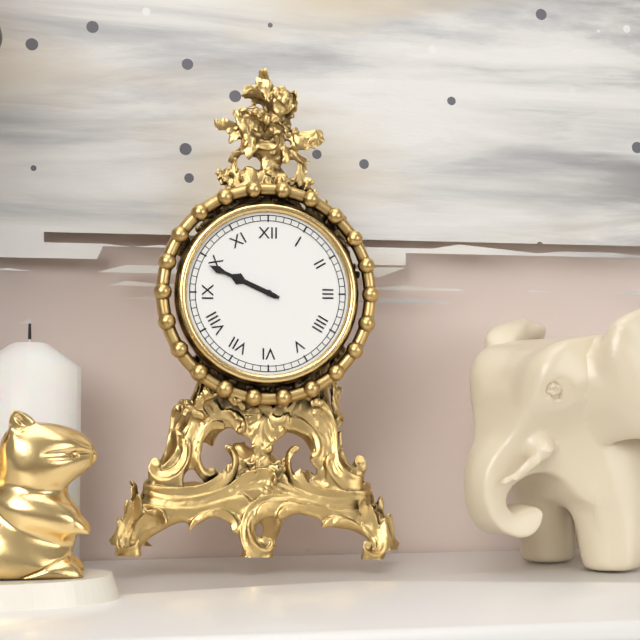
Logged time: **9:49**
